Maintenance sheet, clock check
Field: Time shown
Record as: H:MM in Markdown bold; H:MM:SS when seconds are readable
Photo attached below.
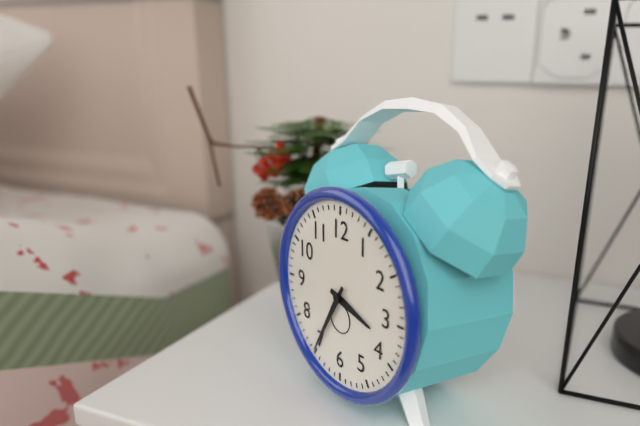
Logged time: **3:35**
